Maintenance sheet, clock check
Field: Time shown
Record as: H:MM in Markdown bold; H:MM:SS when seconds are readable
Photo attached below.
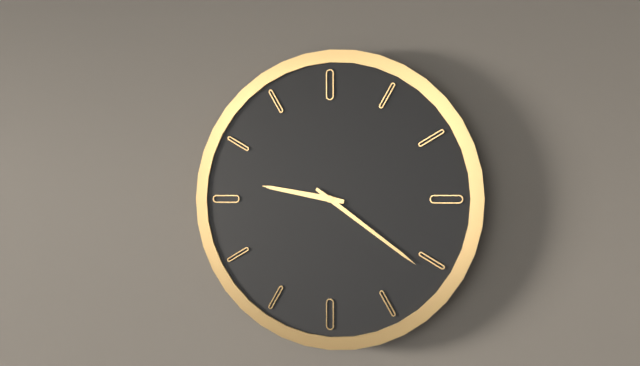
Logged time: **9:21**
